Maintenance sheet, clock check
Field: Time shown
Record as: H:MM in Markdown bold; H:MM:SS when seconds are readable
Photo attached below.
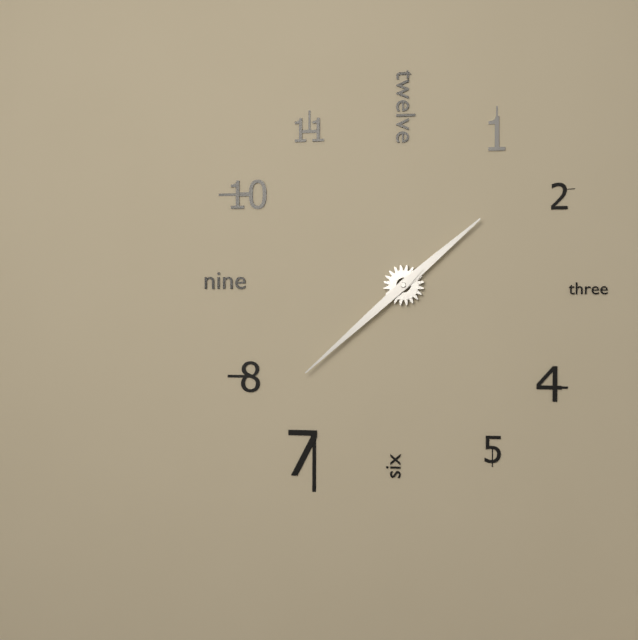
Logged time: **1:38**
